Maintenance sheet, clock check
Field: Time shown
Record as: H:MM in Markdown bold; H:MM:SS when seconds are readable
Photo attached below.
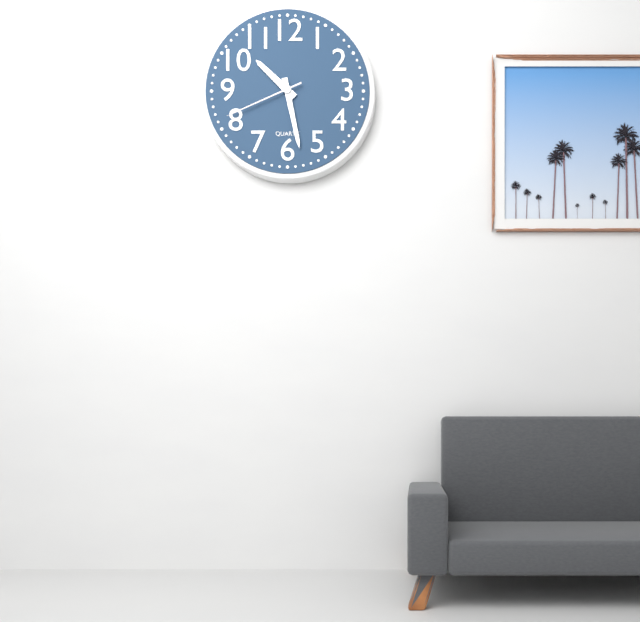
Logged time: **10:28:41**
